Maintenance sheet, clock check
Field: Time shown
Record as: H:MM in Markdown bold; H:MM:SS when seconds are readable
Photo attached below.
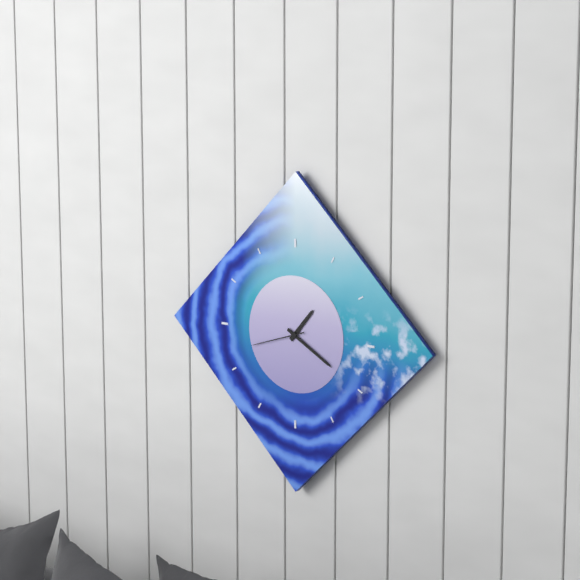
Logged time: **1:20:42**
